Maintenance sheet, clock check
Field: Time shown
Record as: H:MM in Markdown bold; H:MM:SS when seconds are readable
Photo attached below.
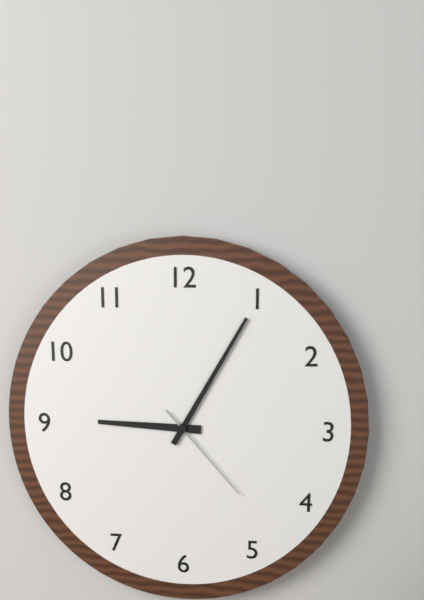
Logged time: **9:05:23**
